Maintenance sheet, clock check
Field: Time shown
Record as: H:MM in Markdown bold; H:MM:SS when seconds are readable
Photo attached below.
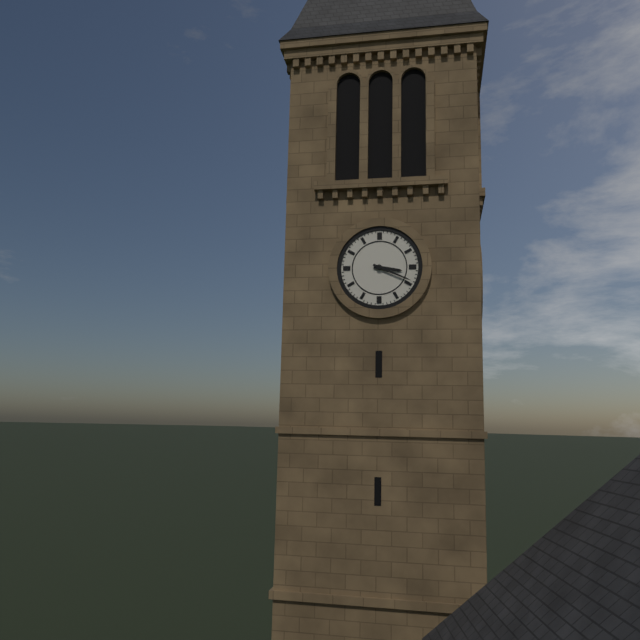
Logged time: **3:19**
